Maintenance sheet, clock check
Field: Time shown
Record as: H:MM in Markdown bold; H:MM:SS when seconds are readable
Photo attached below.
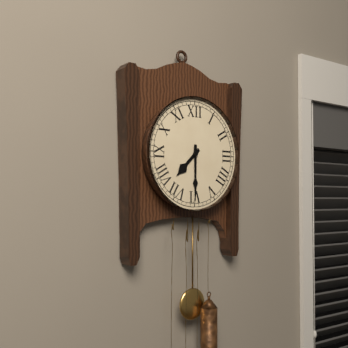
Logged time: **7:30**
